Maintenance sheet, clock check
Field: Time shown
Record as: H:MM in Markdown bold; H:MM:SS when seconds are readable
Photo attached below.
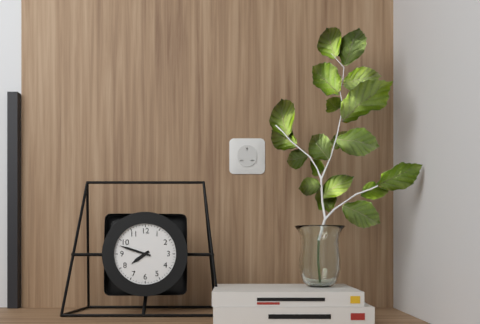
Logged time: **7:48**
